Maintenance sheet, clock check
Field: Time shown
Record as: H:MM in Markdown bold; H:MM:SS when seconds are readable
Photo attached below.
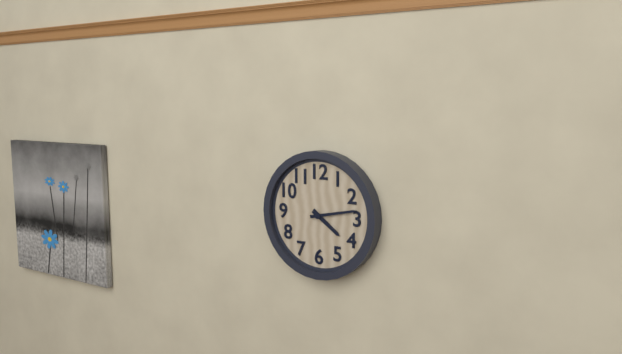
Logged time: **4:13**
